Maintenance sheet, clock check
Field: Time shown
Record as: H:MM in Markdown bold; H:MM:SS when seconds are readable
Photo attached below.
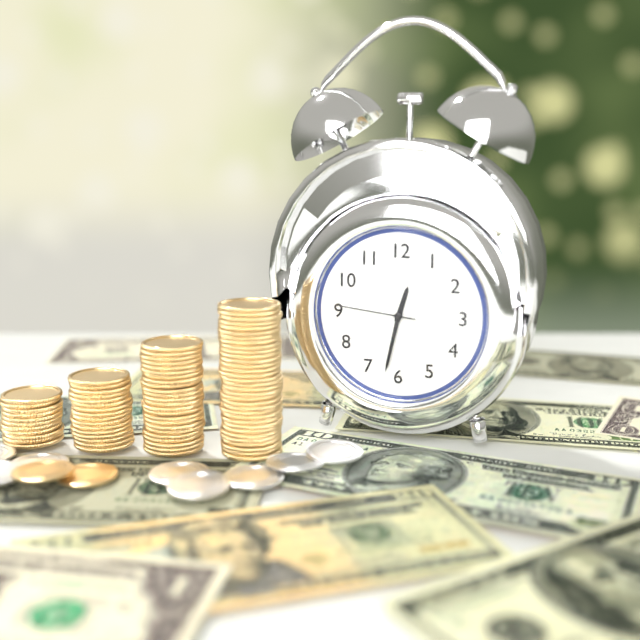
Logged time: **12:32:46**
